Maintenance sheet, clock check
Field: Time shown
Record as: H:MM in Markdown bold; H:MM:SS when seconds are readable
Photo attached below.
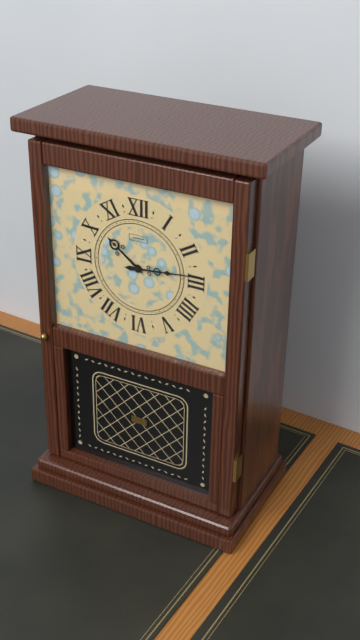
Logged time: **10:14**
